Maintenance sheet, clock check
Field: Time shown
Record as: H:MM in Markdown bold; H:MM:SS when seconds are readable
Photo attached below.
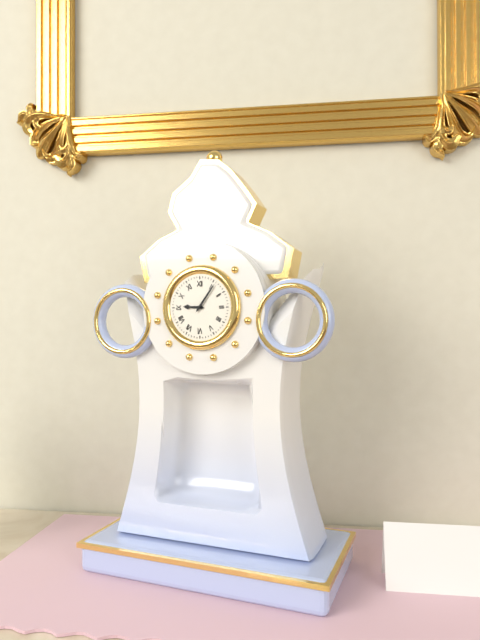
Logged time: **9:06**
